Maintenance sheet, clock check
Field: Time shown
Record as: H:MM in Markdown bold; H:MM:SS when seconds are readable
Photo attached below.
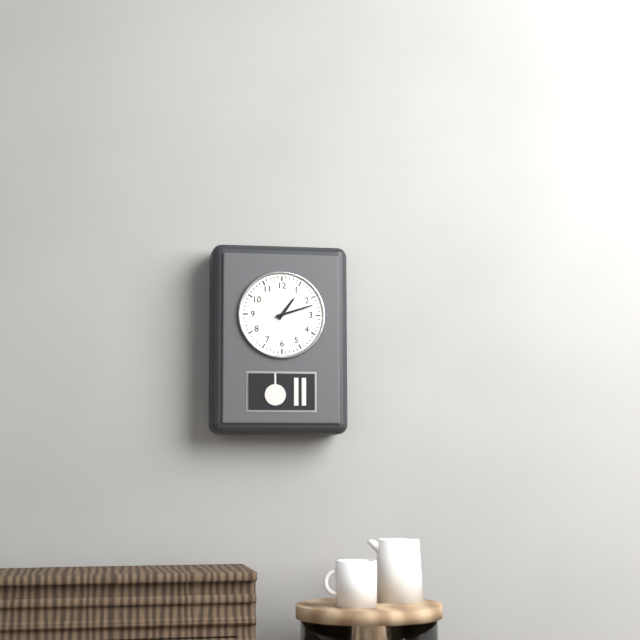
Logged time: **1:12**
